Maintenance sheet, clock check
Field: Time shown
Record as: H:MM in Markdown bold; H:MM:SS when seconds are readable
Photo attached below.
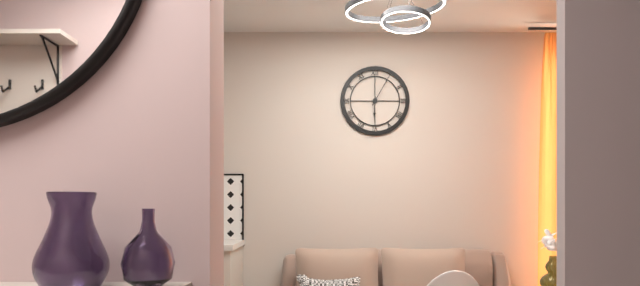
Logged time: **6:05**
